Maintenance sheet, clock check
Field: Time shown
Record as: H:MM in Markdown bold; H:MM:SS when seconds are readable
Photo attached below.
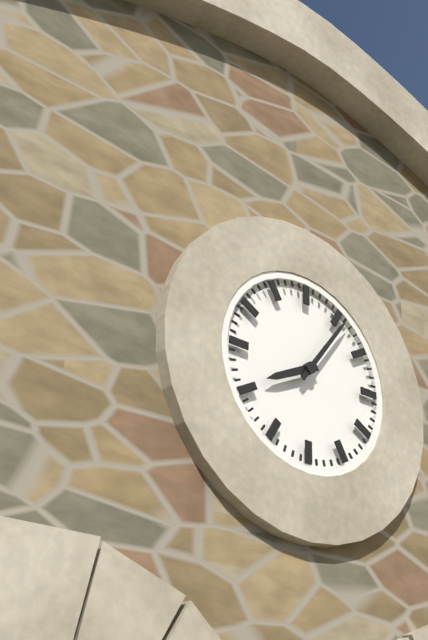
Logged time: **8:06**
